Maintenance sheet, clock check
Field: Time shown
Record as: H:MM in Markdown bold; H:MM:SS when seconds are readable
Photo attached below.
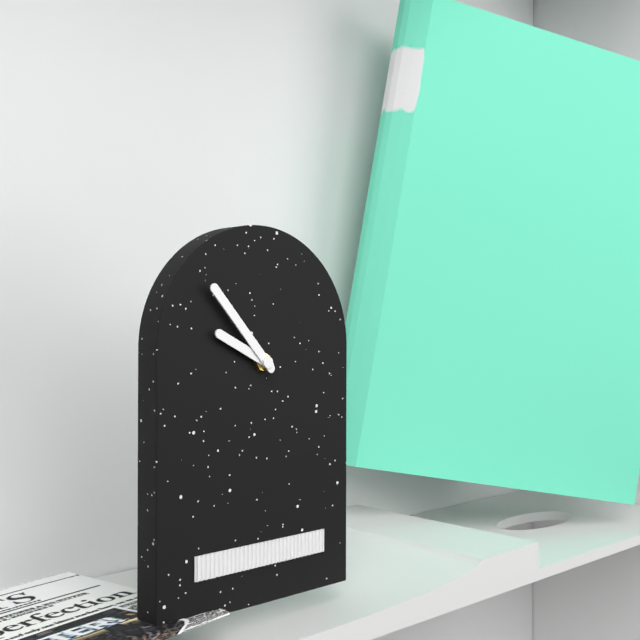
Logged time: **9:53**
